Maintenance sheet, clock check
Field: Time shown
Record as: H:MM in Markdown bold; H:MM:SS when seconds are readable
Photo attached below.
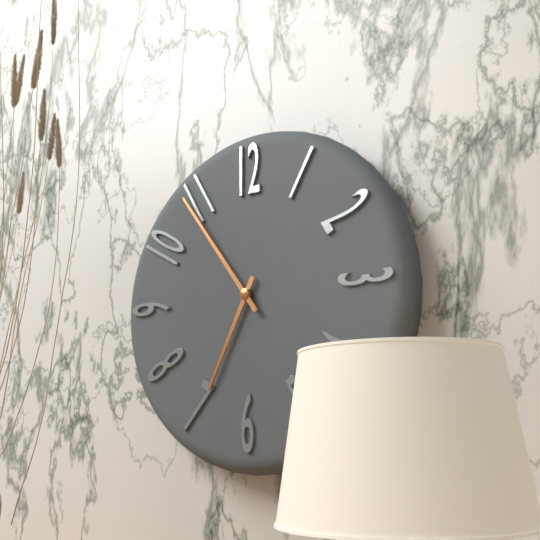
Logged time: **6:54**
